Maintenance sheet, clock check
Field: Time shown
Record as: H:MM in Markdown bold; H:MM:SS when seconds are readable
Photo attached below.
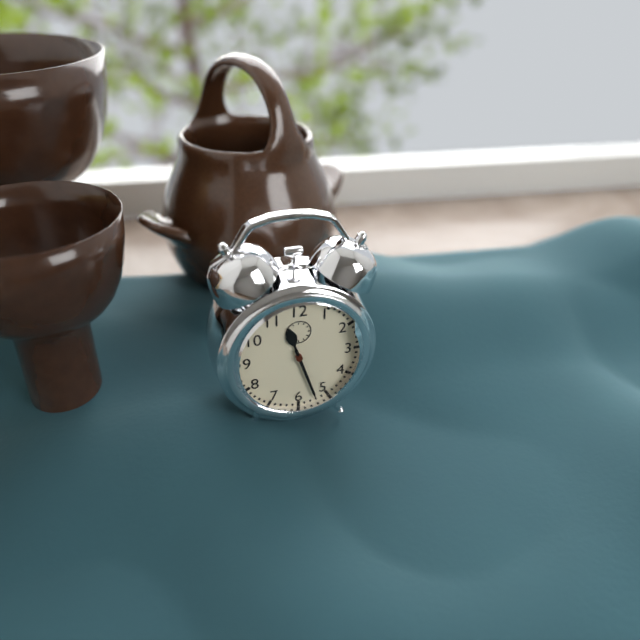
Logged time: **11:27**
